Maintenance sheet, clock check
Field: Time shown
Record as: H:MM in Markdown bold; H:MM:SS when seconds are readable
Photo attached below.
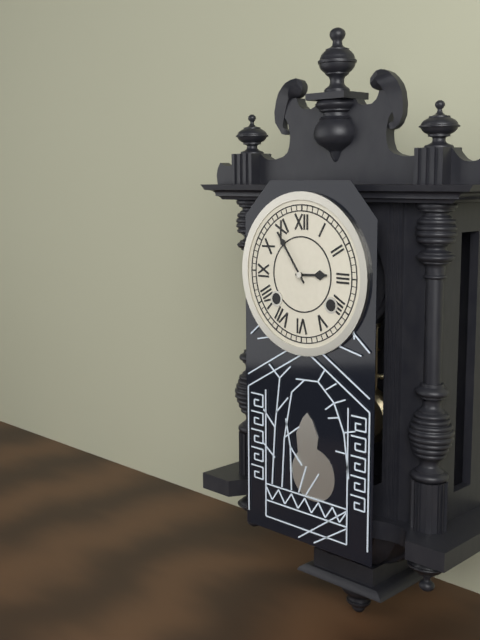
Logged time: **2:54**
